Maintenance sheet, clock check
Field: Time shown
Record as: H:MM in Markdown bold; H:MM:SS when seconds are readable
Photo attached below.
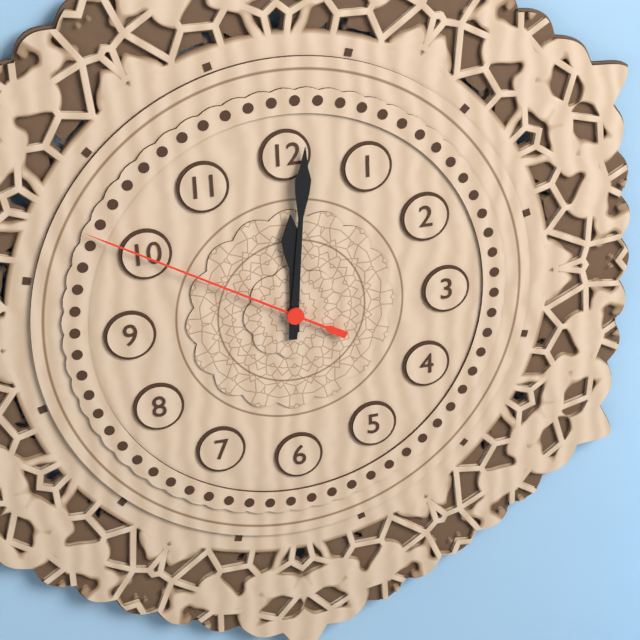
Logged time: **12:01:50**
